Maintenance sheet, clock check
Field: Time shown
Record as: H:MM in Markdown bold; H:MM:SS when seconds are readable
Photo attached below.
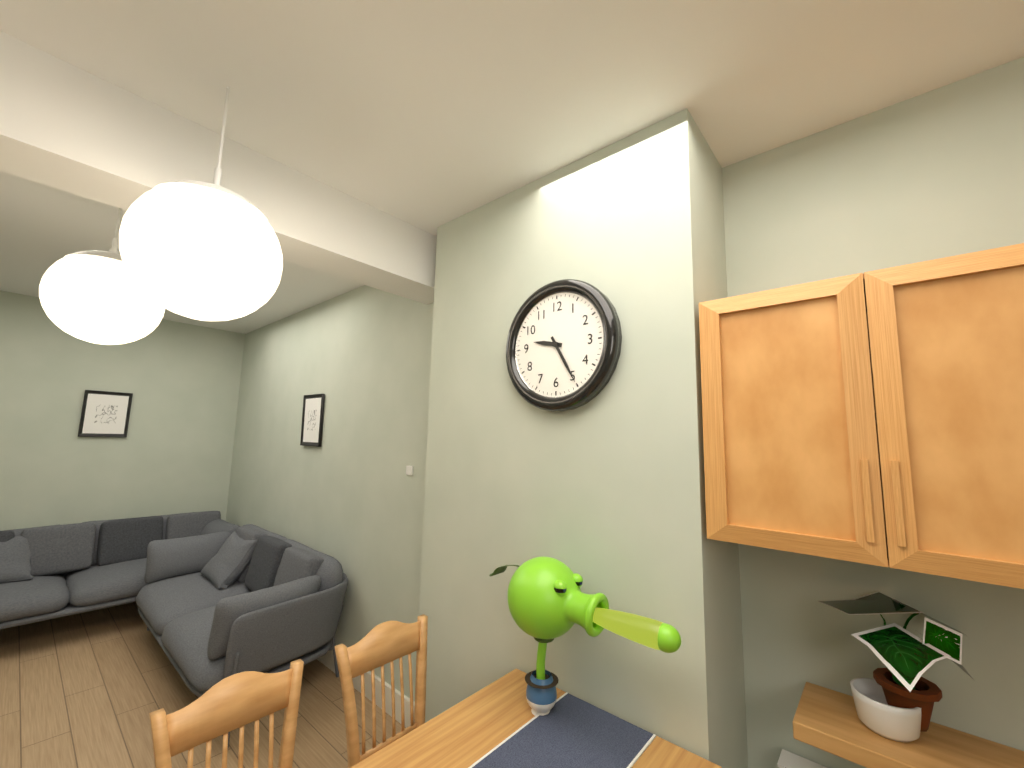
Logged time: **9:25**
